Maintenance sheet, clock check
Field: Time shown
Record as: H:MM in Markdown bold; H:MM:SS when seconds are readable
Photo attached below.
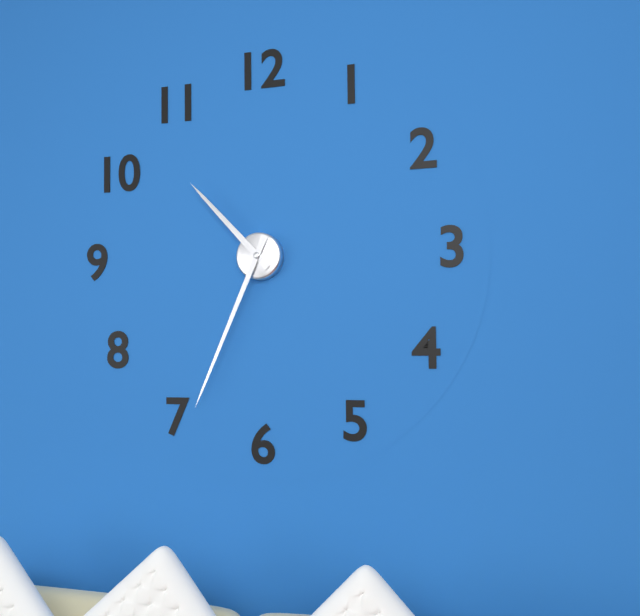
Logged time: **10:34**
